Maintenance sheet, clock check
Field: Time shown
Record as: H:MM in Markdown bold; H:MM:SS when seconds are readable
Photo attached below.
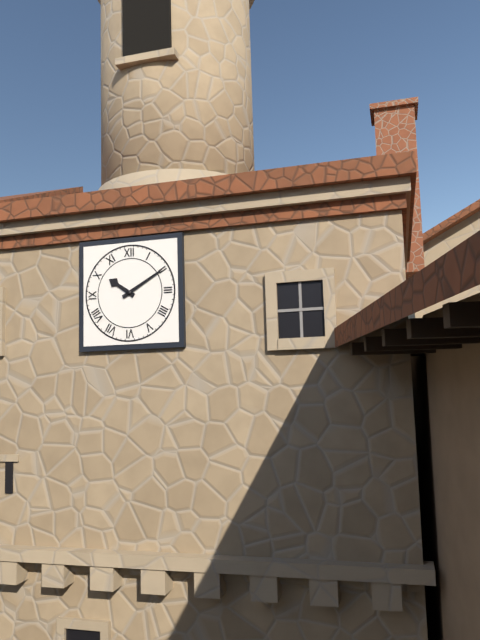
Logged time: **10:10**
